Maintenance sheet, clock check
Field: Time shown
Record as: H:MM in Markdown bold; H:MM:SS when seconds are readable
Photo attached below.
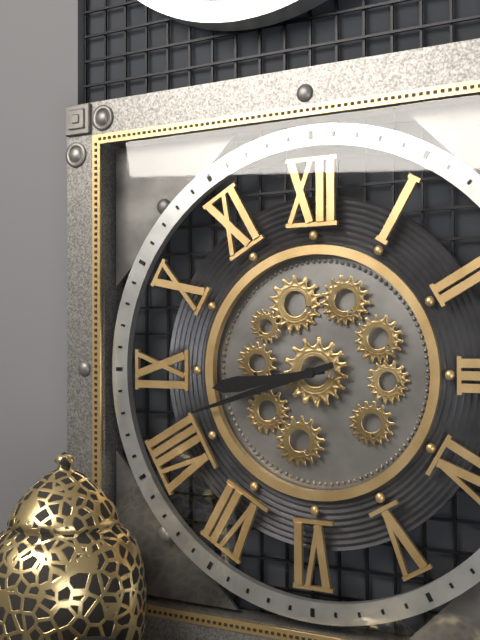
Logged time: **8:42**
